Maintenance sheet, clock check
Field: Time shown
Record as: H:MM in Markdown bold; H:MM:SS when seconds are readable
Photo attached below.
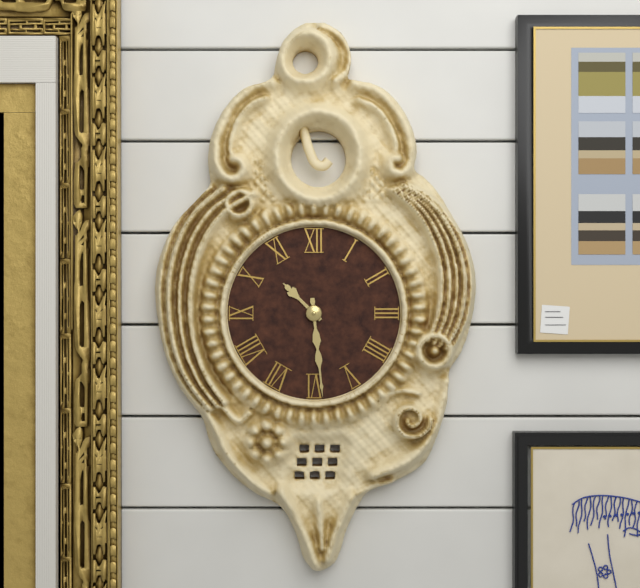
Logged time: **10:29**
